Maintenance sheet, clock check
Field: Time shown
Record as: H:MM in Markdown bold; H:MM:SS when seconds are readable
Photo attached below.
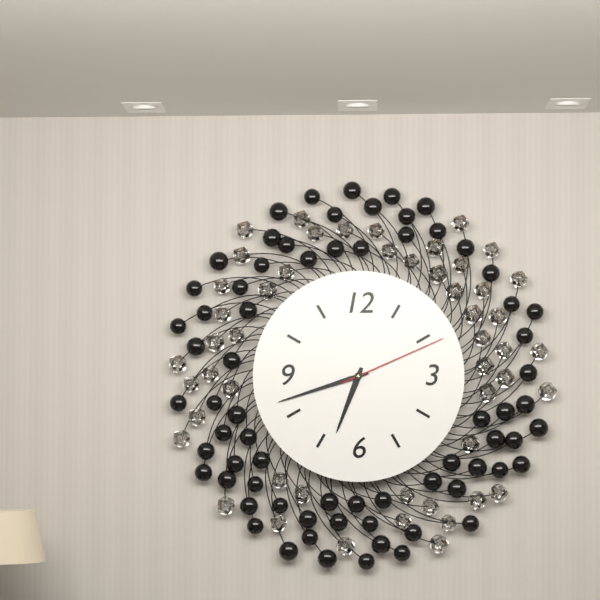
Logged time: **6:42:11**
